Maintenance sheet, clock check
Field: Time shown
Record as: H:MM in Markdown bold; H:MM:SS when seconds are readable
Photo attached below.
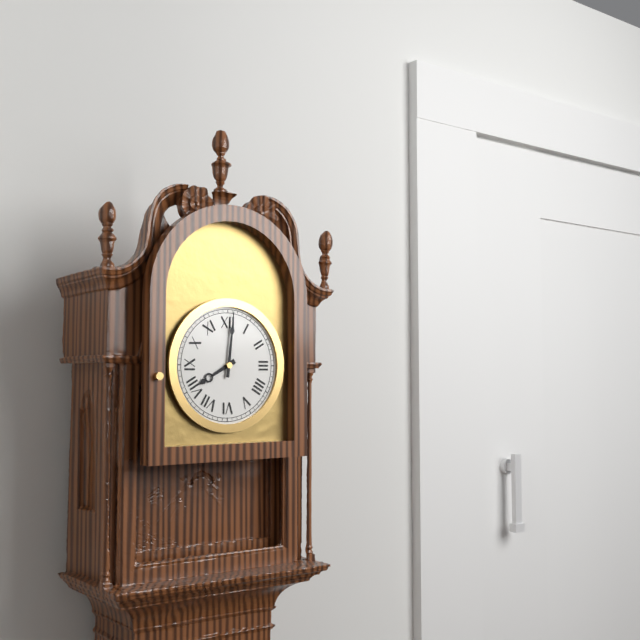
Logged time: **8:01**
